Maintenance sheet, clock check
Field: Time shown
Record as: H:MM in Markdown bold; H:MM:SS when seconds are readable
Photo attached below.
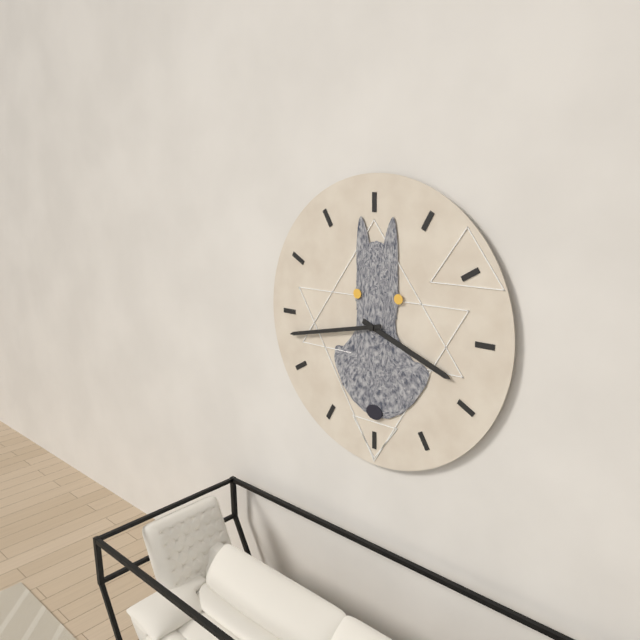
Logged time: **3:43**
